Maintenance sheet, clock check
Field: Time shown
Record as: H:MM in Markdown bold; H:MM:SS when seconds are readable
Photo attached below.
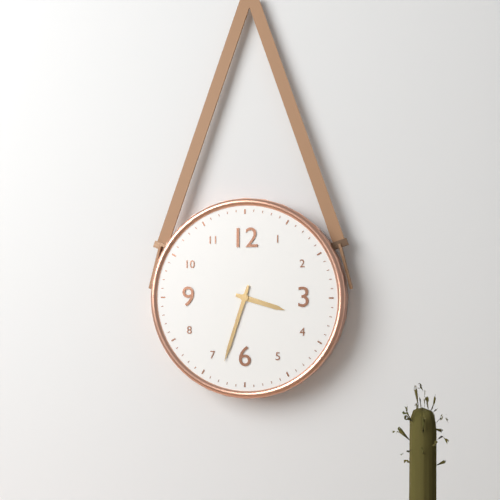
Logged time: **3:33**
